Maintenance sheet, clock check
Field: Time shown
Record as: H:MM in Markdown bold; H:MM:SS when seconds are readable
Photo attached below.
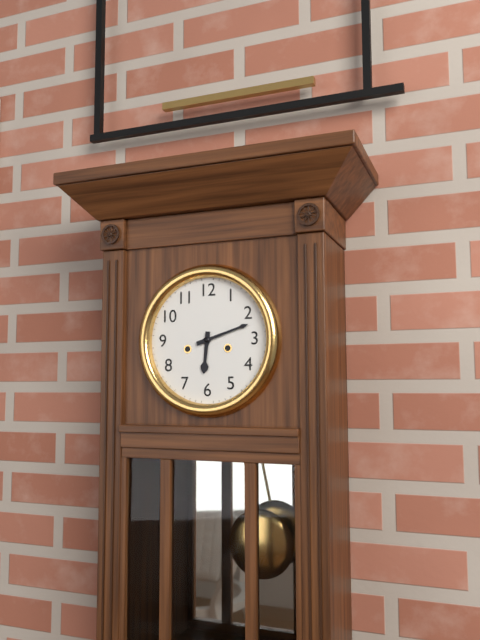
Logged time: **6:12**
